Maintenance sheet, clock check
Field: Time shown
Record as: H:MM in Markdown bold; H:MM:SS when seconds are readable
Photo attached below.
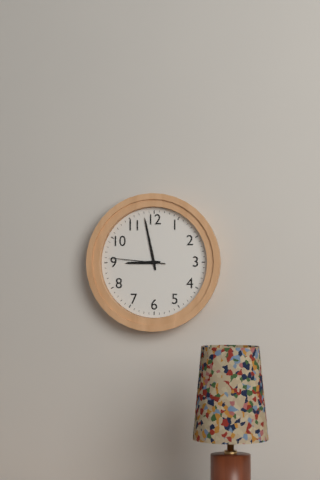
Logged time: **8:58:46**
